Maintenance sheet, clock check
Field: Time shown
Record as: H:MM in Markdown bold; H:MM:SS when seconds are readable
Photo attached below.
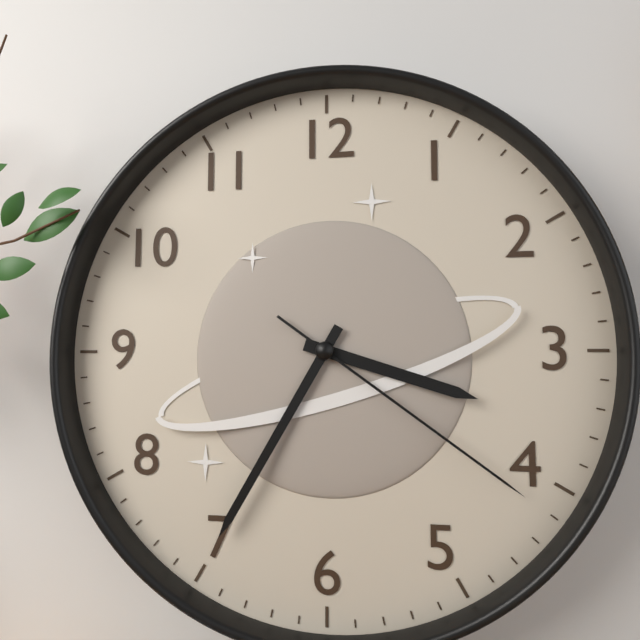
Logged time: **3:35:21**
